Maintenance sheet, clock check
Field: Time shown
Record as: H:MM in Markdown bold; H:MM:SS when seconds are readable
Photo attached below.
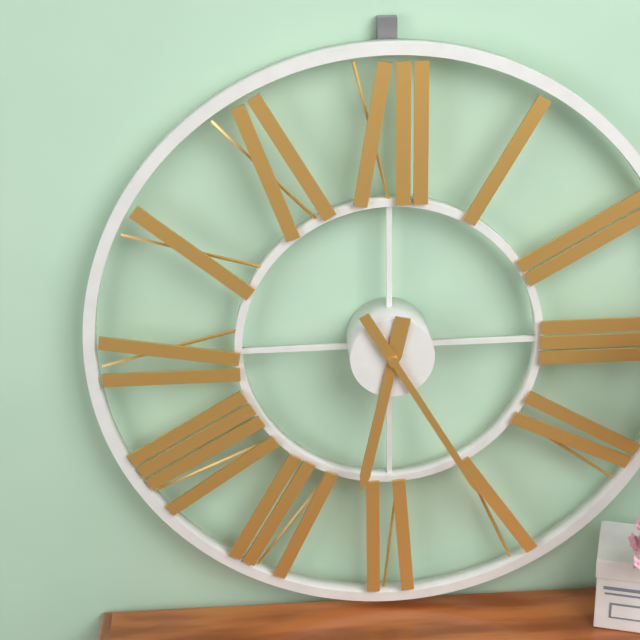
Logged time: **6:25**
